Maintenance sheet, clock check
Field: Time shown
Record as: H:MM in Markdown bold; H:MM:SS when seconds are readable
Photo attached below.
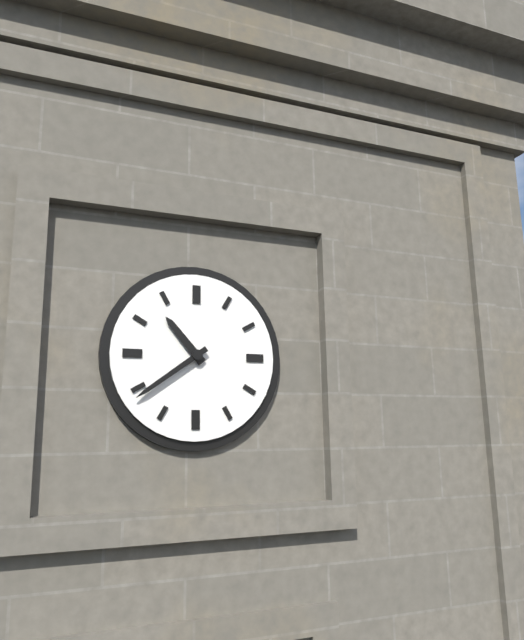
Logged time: **10:39**
